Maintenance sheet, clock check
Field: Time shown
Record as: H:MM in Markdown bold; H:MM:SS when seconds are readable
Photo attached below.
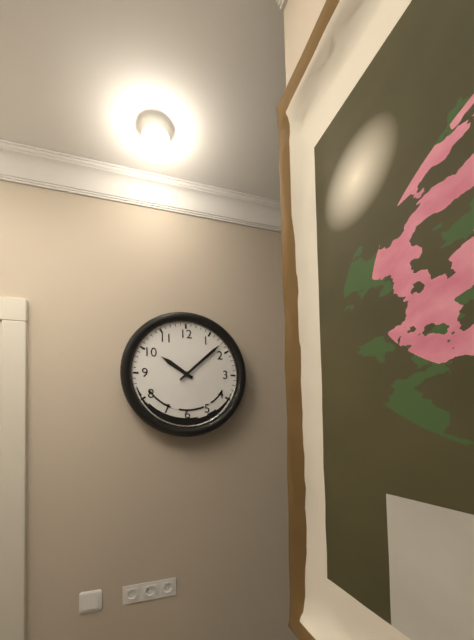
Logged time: **10:08**
